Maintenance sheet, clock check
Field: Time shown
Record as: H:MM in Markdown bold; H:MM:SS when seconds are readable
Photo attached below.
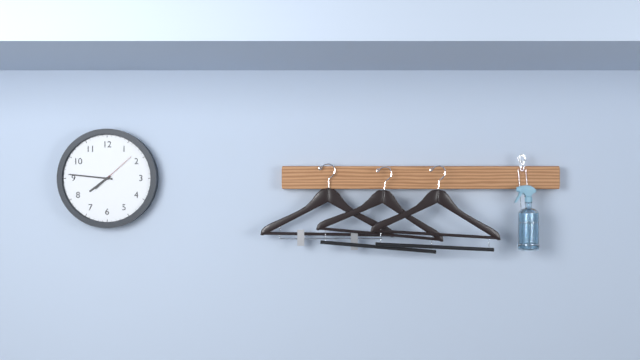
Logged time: **7:46**
